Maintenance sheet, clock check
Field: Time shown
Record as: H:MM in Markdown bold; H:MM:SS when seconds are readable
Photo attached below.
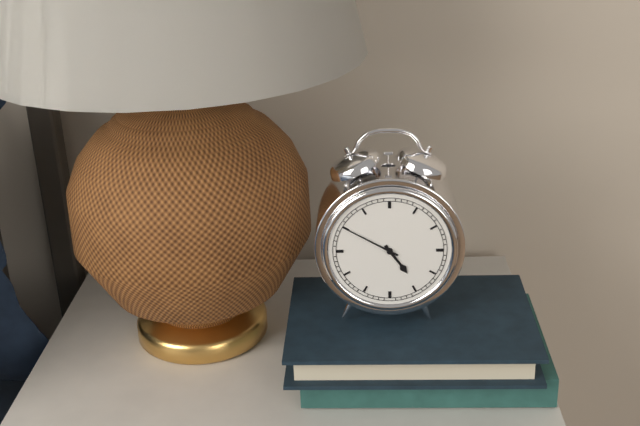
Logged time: **4:50**
